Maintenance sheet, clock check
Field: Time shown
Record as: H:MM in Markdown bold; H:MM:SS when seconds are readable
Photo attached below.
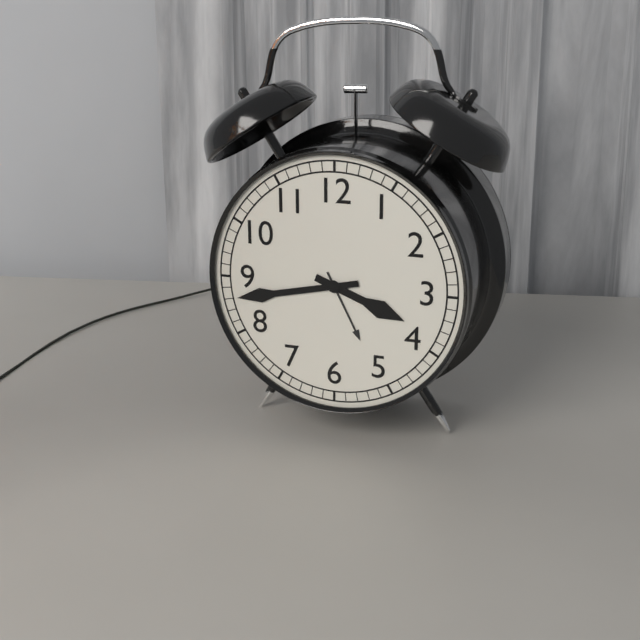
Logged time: **3:43**
